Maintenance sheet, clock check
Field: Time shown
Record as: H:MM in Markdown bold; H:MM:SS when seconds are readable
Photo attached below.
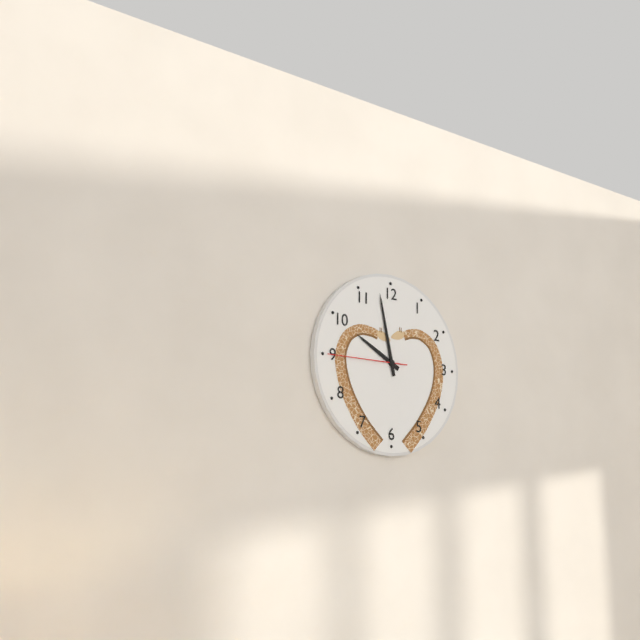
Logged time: **9:58:45**
